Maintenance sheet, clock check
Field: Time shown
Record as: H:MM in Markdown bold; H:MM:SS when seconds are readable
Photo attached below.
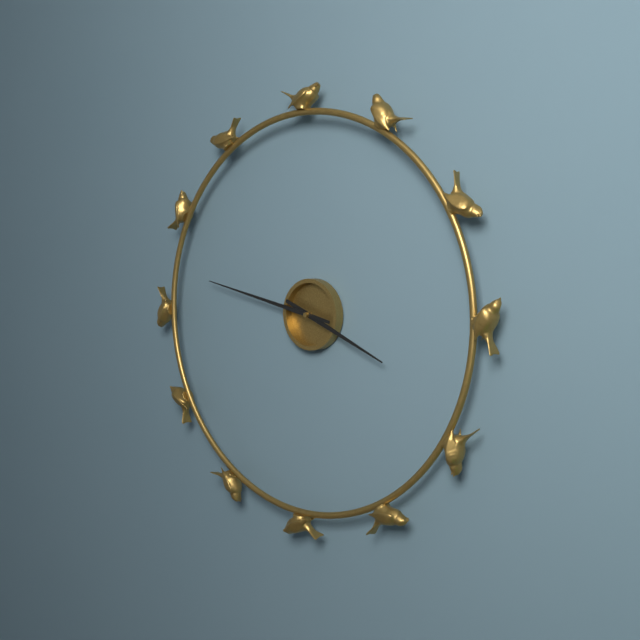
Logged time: **3:47**
